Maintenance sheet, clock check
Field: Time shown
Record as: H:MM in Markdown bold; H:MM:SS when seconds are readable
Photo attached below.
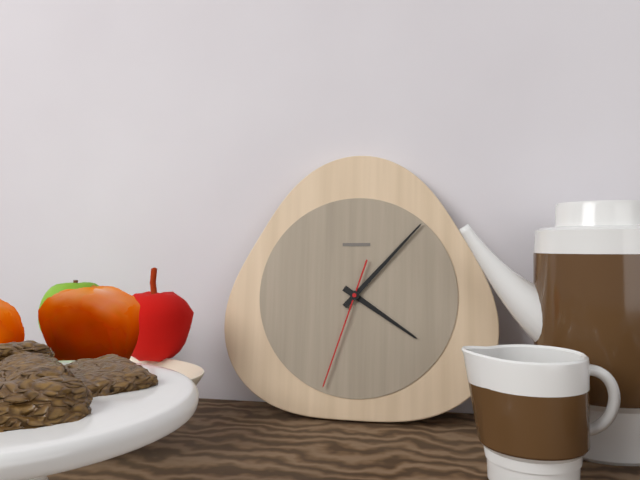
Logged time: **4:07:33**
